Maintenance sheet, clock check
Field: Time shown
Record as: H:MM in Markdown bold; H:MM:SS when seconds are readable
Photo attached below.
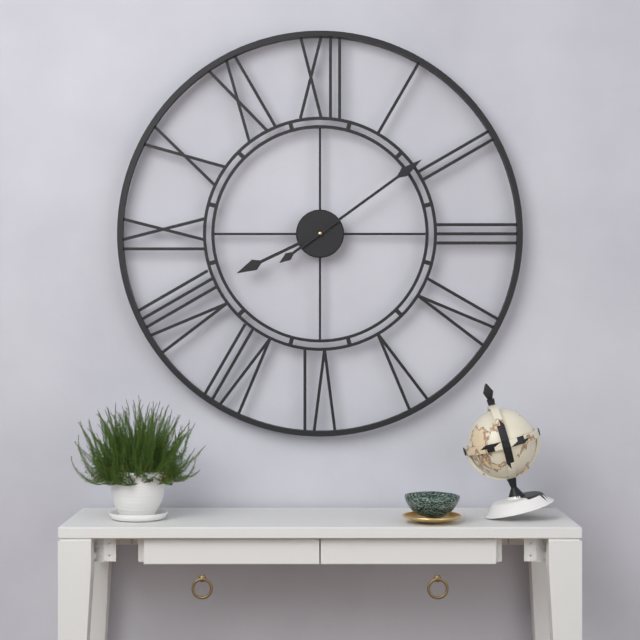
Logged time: **8:09**
